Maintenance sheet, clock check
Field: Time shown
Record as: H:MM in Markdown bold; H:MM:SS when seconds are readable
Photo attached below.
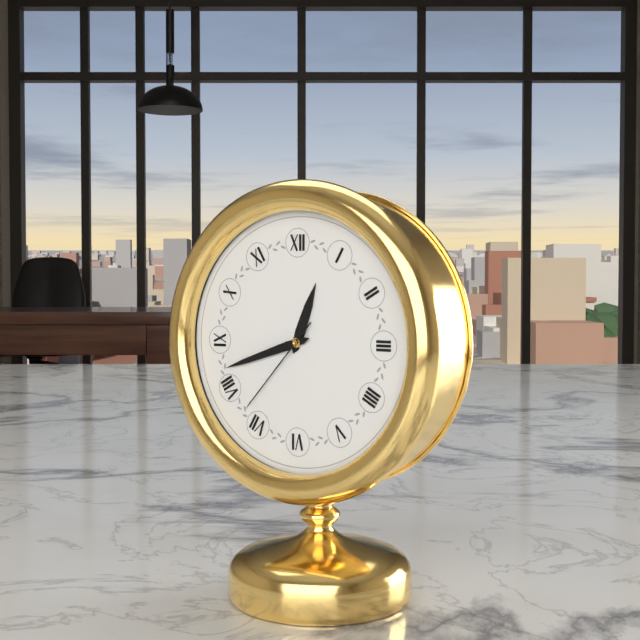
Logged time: **12:42:37**
